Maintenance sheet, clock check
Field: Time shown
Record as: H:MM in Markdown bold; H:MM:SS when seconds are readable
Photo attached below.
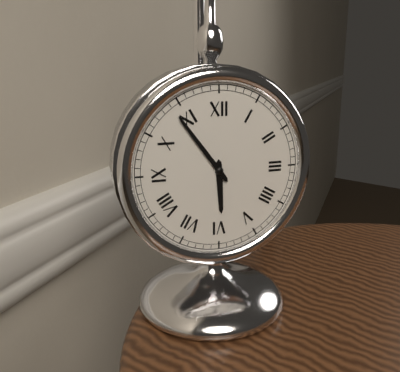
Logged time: **5:54**
